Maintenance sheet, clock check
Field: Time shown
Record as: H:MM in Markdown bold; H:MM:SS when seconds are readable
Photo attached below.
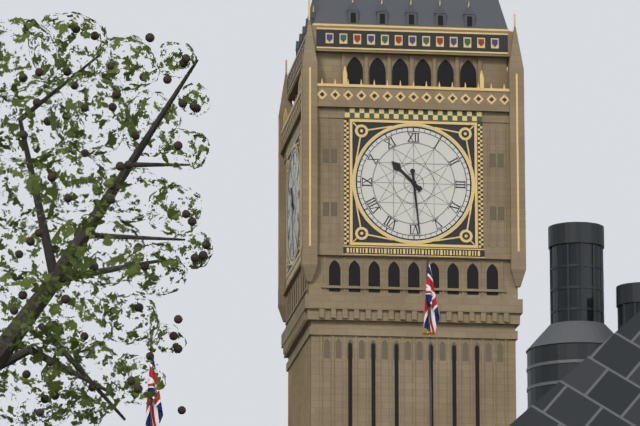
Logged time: **10:29**
